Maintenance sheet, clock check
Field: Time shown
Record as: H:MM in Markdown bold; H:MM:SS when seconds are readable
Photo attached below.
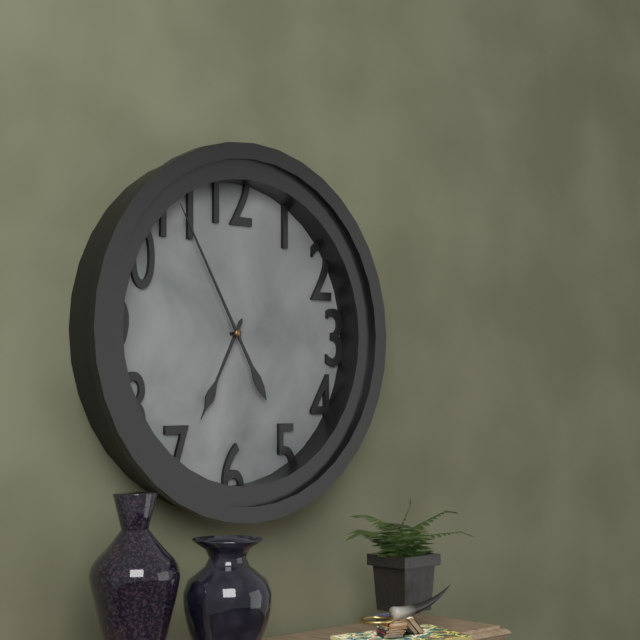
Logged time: **6:55**
